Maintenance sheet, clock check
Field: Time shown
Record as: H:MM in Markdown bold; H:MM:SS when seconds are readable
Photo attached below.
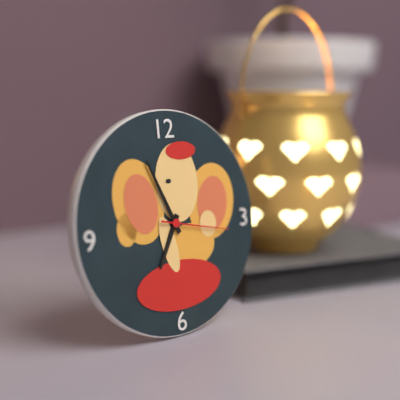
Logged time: **6:56:17**
